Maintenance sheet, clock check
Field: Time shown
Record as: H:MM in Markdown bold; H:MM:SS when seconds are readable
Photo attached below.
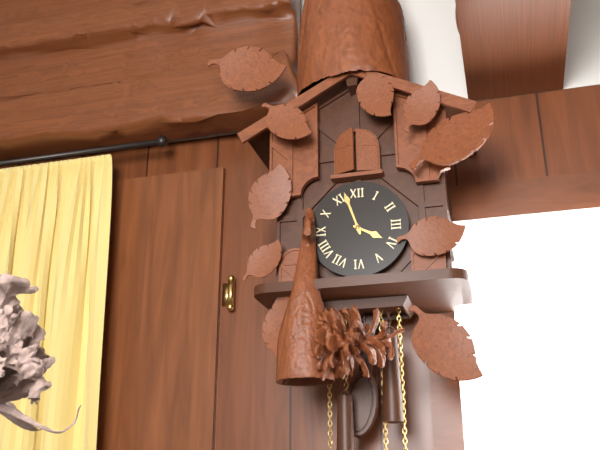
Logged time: **3:57**
